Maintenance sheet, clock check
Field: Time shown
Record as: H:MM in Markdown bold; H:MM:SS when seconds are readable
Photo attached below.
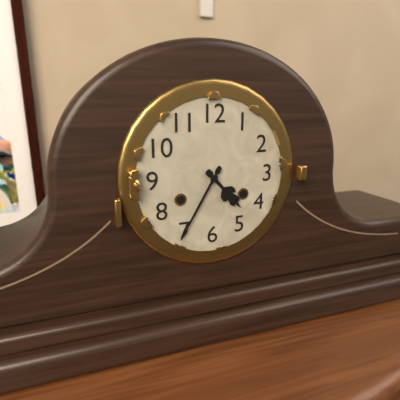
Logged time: **4:35**
